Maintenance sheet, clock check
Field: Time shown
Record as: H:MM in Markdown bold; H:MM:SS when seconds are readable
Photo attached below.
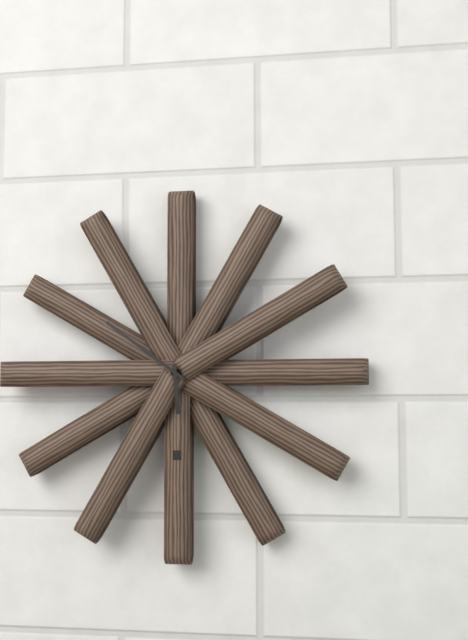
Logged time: **5:51**
